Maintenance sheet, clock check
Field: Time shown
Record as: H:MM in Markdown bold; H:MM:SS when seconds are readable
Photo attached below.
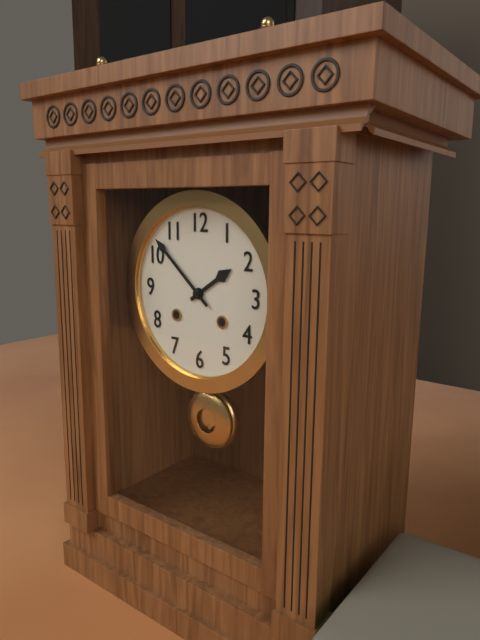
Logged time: **1:52**
